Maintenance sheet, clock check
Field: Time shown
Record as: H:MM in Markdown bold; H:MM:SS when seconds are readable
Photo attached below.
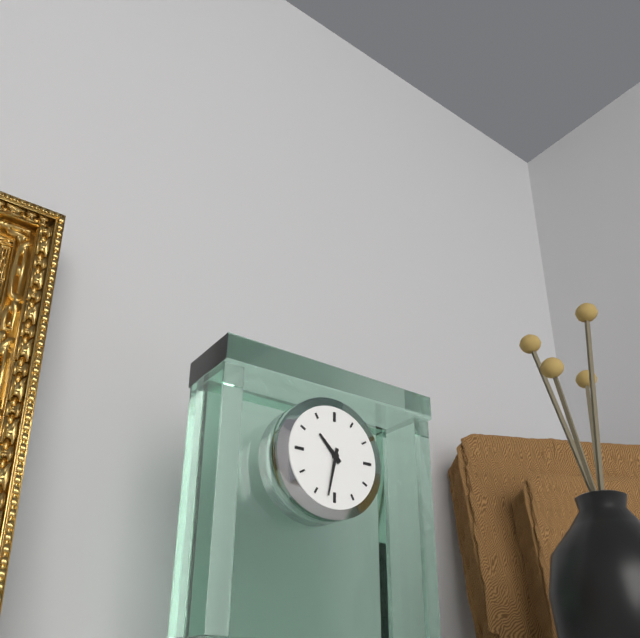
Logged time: **10:32**
